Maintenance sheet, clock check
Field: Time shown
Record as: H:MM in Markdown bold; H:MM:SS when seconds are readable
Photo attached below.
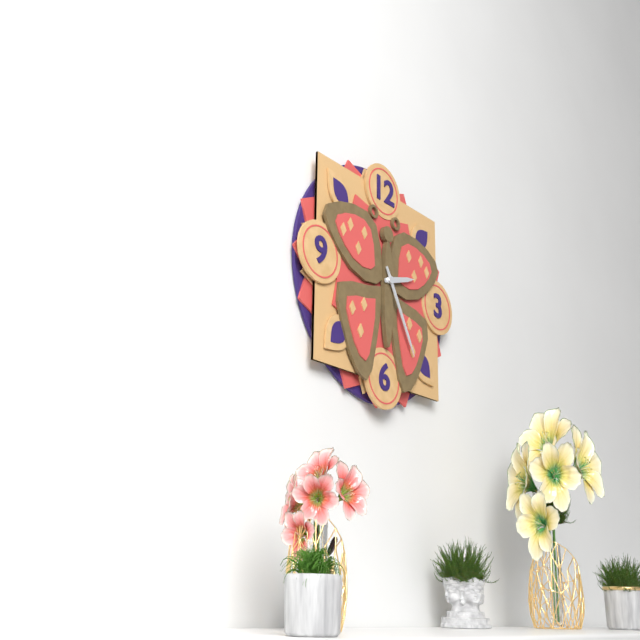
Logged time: **2:25**
